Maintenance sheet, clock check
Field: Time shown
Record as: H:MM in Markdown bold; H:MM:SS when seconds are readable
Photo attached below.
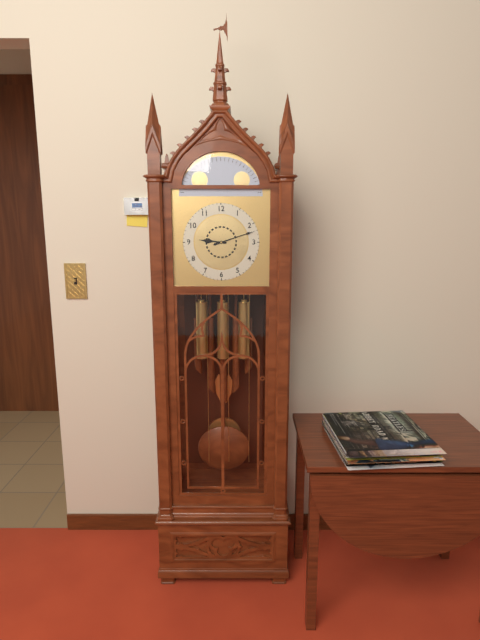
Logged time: **9:12**
